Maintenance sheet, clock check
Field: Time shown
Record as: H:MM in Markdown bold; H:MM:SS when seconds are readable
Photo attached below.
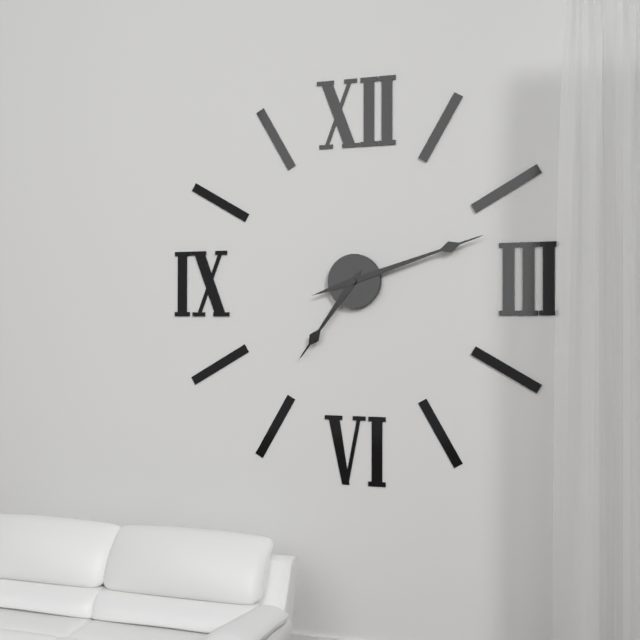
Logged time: **7:12**
